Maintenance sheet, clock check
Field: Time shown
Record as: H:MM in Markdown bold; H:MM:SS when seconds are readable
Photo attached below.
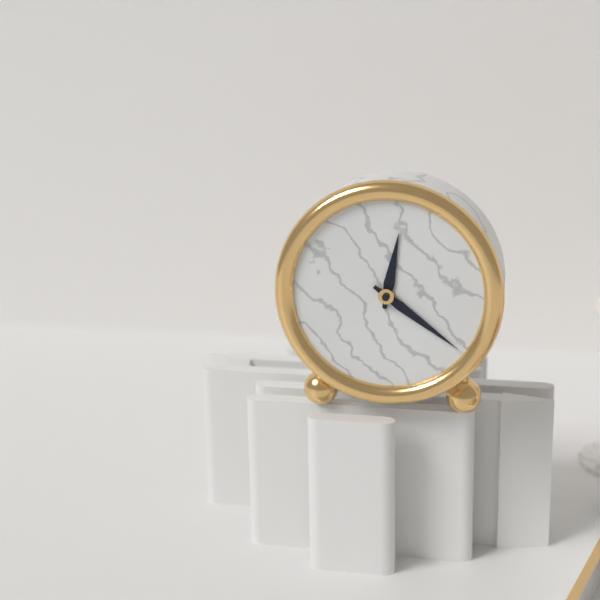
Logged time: **12:21**
